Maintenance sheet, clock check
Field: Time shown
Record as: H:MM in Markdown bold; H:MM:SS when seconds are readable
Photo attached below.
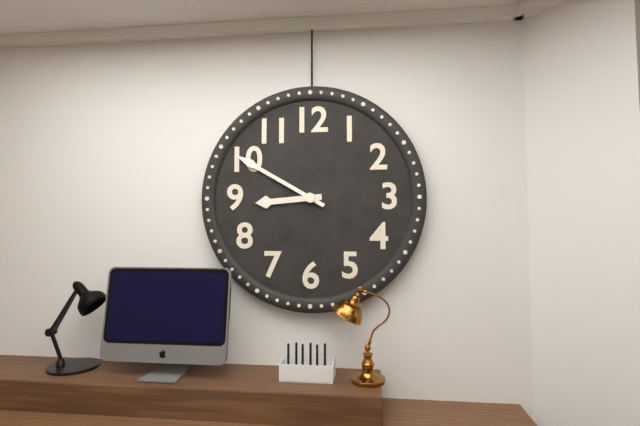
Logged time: **8:50**
